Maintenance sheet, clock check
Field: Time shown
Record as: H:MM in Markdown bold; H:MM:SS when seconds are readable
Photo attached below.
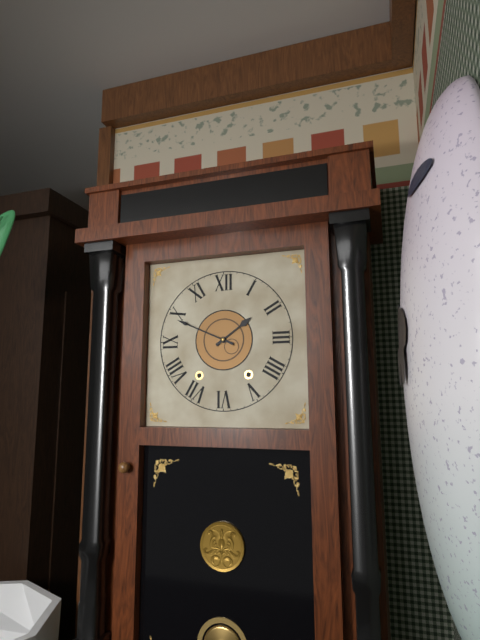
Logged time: **1:49**
